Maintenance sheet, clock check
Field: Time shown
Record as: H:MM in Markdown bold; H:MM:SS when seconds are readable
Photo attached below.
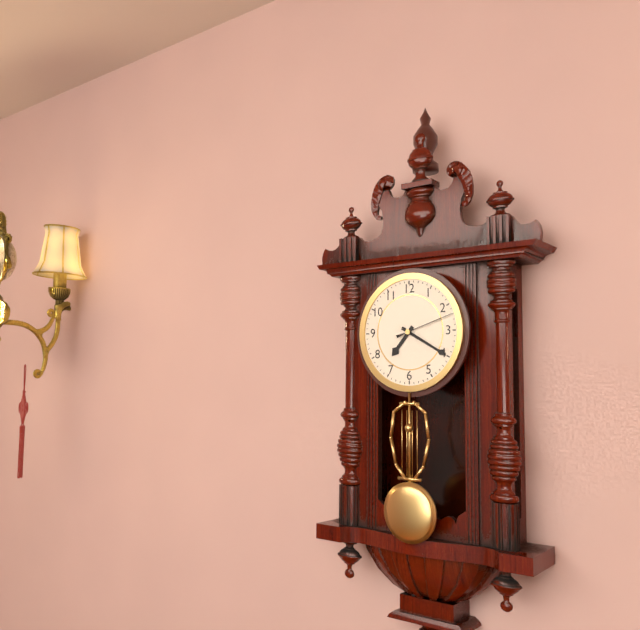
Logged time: **7:20:12**
